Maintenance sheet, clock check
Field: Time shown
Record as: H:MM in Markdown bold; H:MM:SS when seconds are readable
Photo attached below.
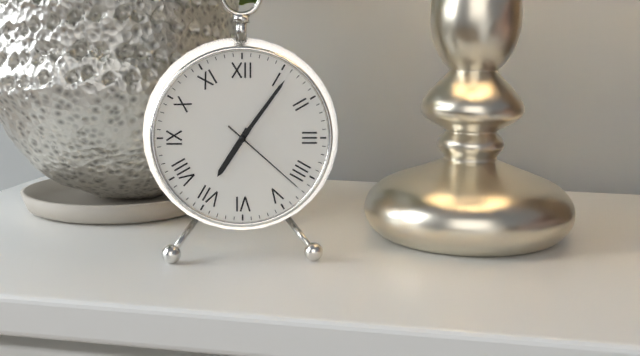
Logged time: **7:06:22**
